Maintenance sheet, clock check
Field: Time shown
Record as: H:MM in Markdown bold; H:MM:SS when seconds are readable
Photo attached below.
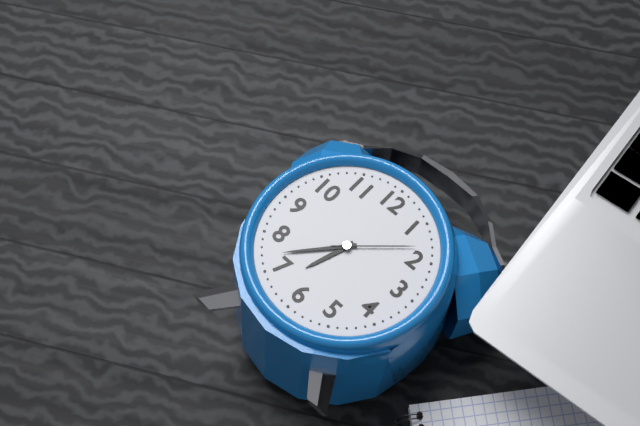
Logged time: **6:37:08**
